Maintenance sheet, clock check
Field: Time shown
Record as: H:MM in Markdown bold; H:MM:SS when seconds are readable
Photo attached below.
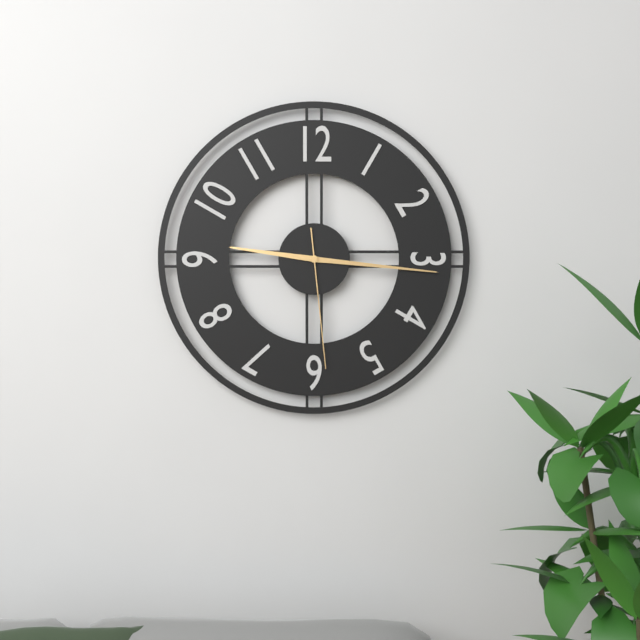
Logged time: **9:16:29**
